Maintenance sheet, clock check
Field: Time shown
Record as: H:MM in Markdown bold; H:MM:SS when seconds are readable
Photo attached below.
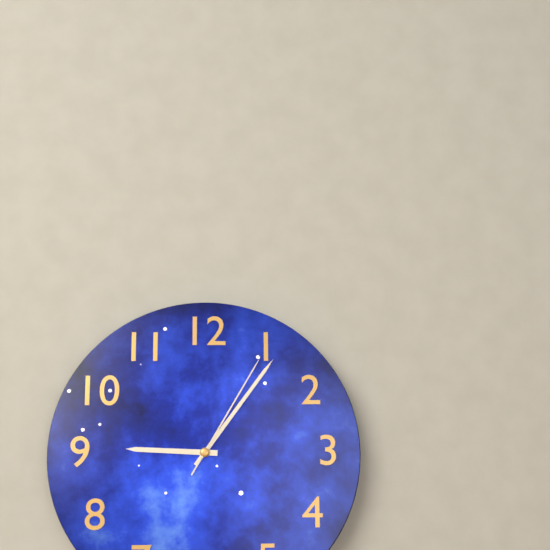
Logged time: **9:06:05**
